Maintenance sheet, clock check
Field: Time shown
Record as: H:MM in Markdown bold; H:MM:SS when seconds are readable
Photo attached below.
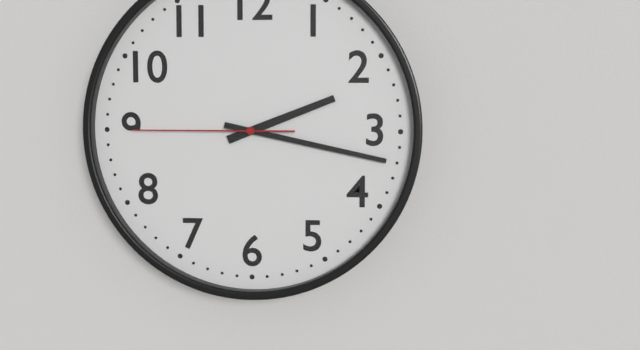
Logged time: **2:17:45**
